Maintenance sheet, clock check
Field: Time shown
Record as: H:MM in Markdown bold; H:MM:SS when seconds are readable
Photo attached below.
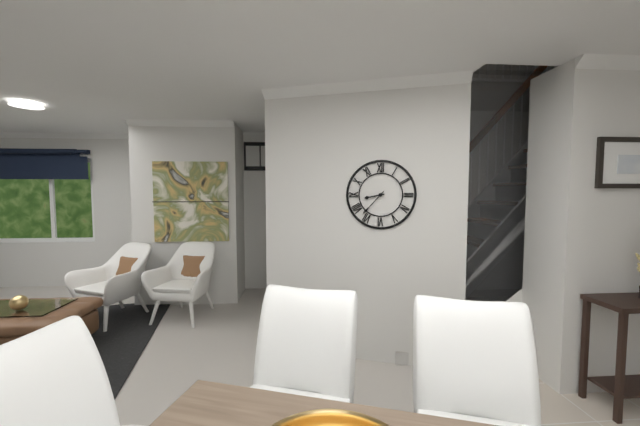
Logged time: **8:37**
